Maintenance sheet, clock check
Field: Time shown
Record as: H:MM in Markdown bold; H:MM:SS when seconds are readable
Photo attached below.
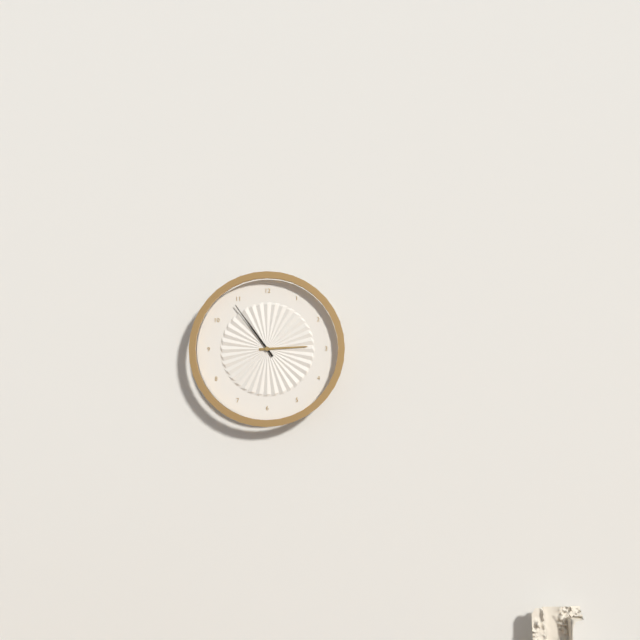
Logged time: **2:54**
